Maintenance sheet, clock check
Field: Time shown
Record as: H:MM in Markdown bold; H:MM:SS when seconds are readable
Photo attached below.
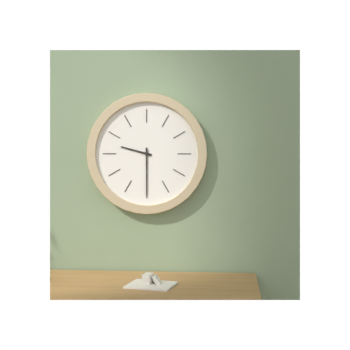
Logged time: **9:30**
